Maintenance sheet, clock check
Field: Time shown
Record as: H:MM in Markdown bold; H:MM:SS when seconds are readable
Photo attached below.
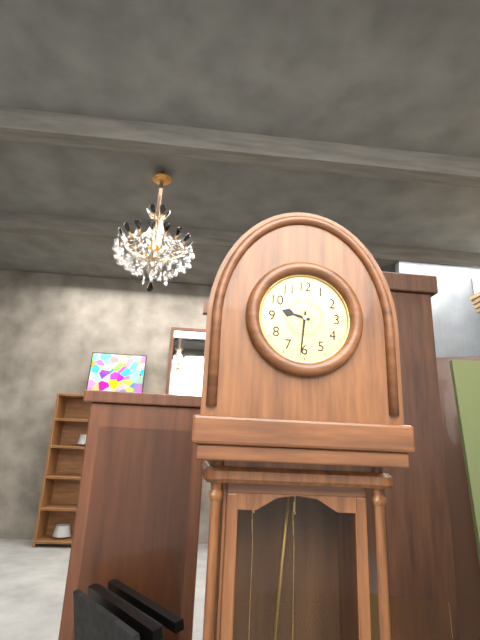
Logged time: **9:31**
